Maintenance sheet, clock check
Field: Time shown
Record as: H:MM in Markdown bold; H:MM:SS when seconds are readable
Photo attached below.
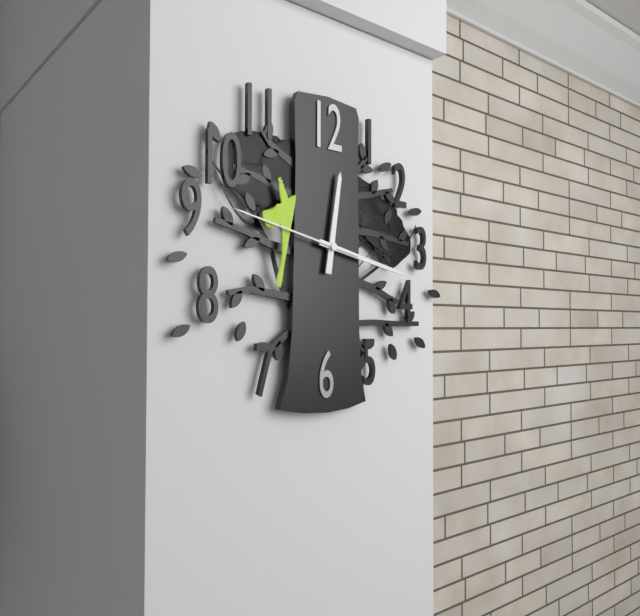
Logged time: **12:17:47**
